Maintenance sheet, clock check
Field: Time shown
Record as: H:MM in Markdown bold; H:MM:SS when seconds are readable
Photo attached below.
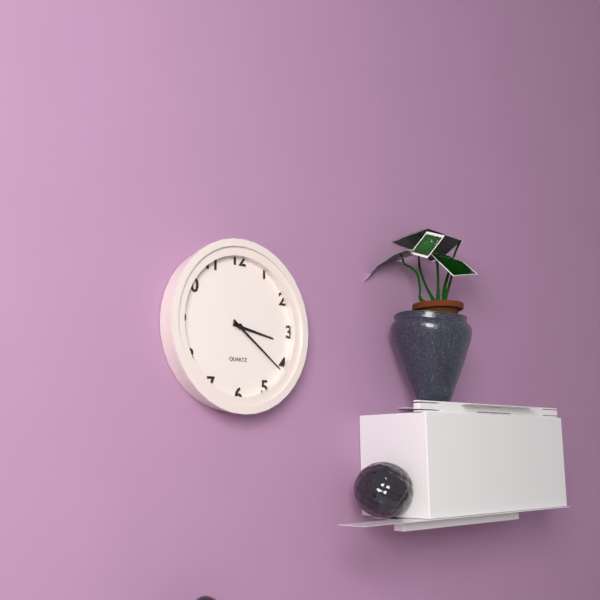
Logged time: **3:21**
